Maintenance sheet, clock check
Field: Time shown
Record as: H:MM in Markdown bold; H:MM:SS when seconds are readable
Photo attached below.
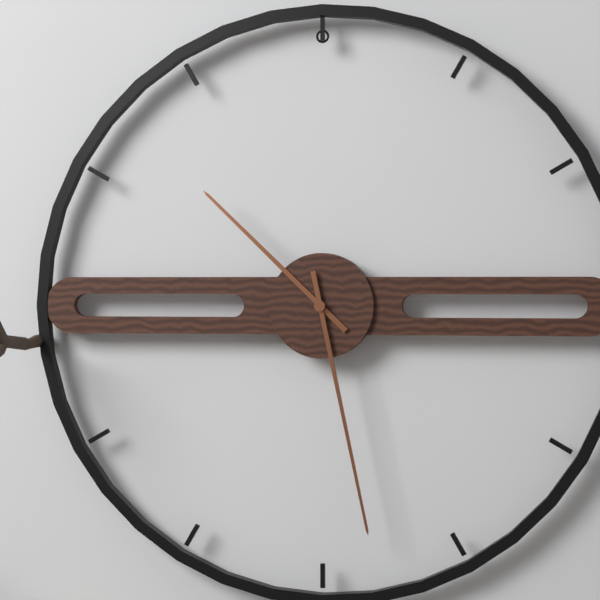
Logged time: **10:28**
